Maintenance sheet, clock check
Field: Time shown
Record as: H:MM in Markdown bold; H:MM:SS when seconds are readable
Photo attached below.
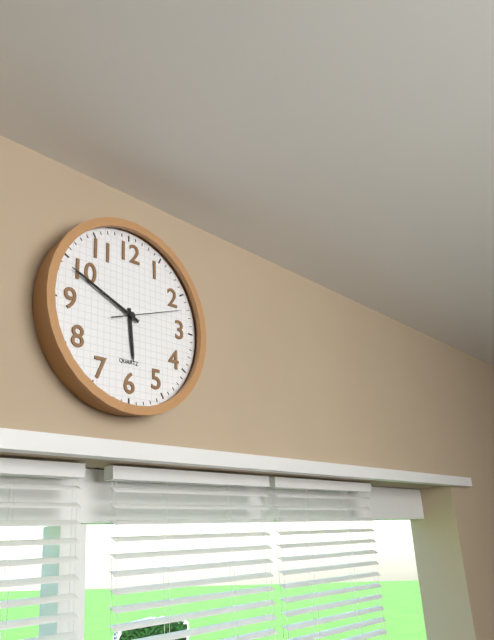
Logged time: **5:49:12**
